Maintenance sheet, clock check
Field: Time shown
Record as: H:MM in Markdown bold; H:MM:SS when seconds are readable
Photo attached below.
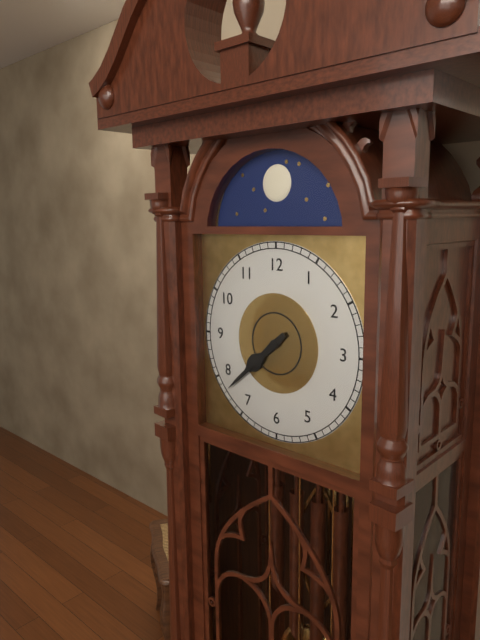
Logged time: **7:38**
